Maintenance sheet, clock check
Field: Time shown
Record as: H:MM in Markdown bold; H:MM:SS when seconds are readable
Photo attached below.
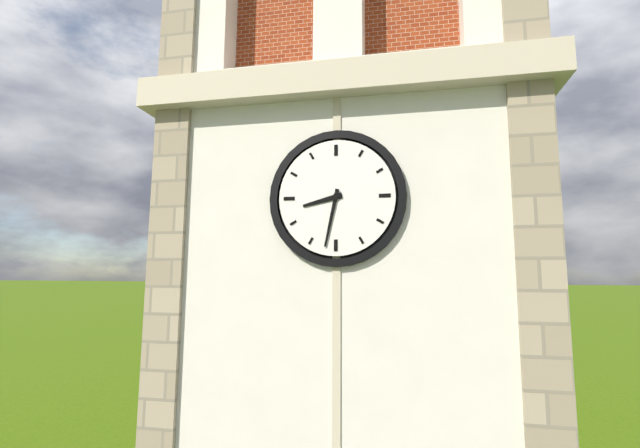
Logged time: **8:32**
